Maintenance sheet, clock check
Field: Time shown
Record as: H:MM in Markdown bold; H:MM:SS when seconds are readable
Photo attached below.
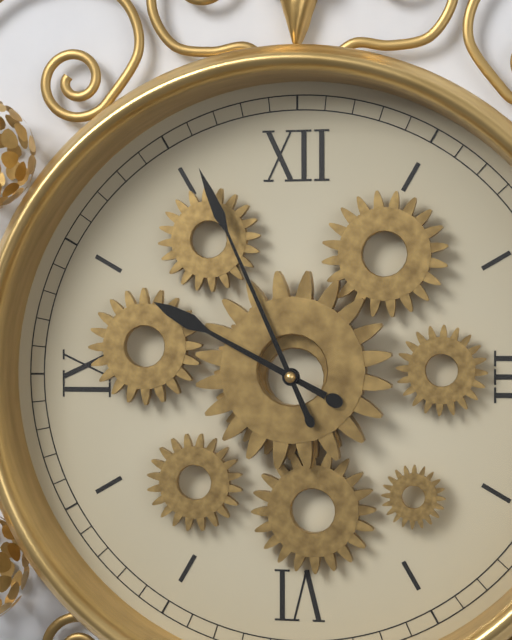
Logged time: **9:56**
